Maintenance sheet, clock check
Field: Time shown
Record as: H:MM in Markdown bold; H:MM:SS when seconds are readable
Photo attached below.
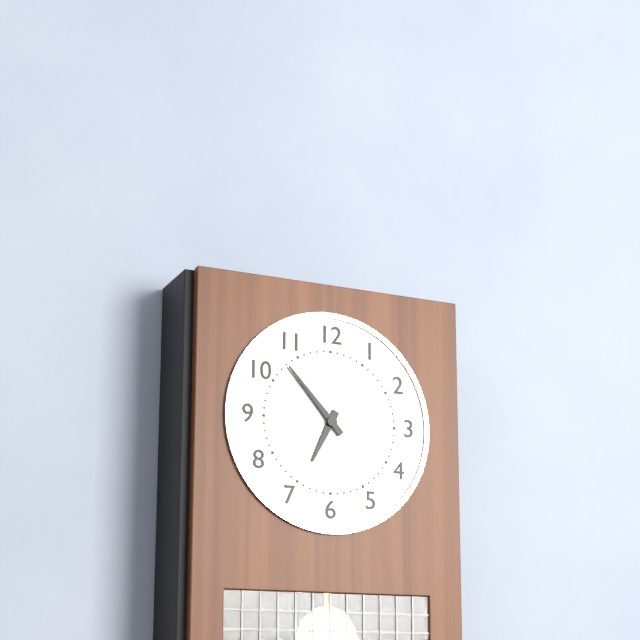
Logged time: **6:53**
